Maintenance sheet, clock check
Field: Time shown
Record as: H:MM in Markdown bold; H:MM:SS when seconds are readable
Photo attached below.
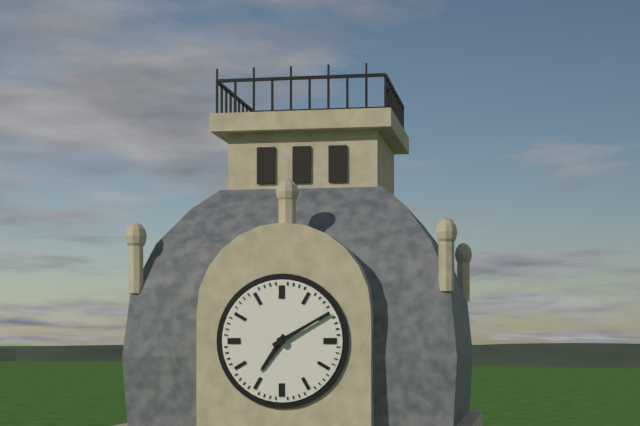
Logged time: **7:10**
